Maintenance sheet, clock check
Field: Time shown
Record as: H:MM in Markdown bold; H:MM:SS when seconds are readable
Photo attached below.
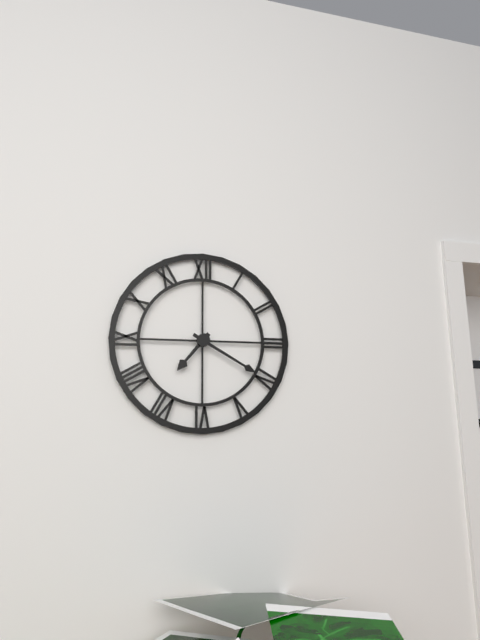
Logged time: **7:20**
